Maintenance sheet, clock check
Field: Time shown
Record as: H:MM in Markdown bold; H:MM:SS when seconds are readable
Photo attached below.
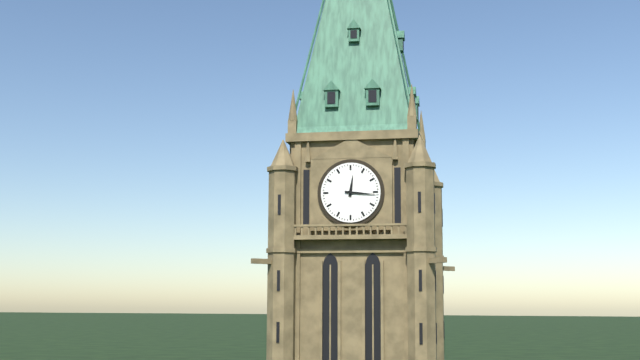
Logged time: **12:16**
